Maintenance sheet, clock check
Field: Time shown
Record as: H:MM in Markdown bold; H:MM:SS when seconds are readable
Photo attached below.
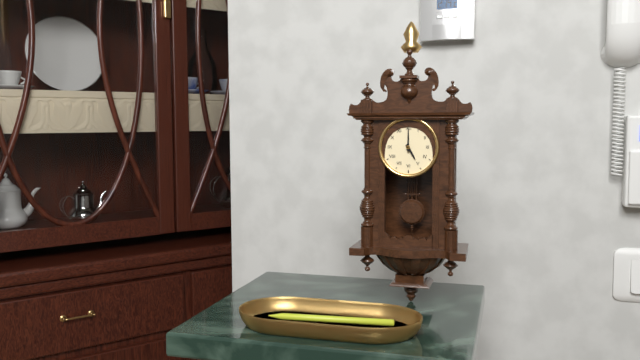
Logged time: **5:00**
